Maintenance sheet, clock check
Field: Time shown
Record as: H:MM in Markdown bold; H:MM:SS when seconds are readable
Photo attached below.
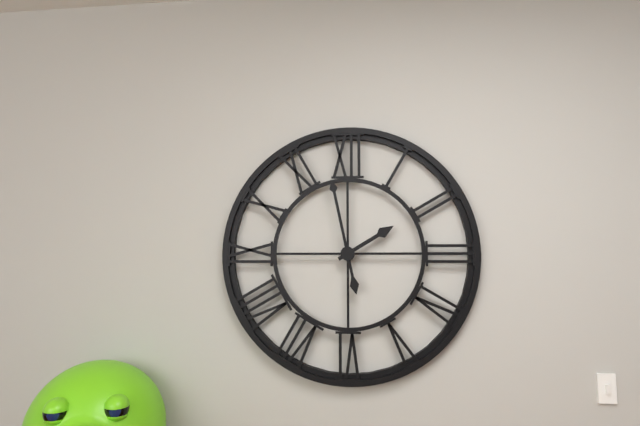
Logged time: **1:58**
